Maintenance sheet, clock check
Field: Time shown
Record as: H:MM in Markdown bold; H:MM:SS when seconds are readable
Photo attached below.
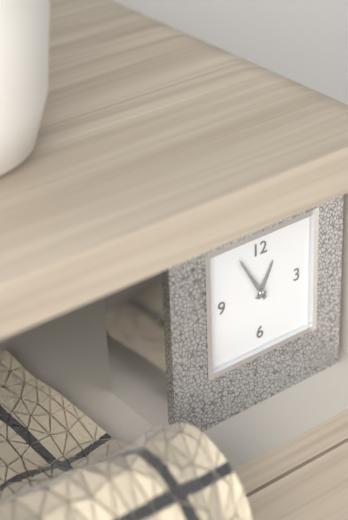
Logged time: **12:55**
